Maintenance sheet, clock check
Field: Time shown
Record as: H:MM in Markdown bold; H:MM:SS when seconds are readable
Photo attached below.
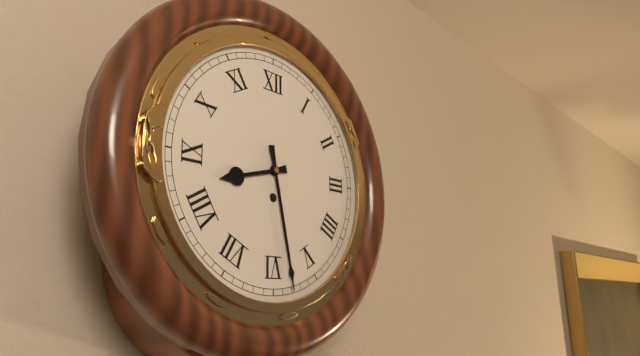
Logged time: **8:28**
